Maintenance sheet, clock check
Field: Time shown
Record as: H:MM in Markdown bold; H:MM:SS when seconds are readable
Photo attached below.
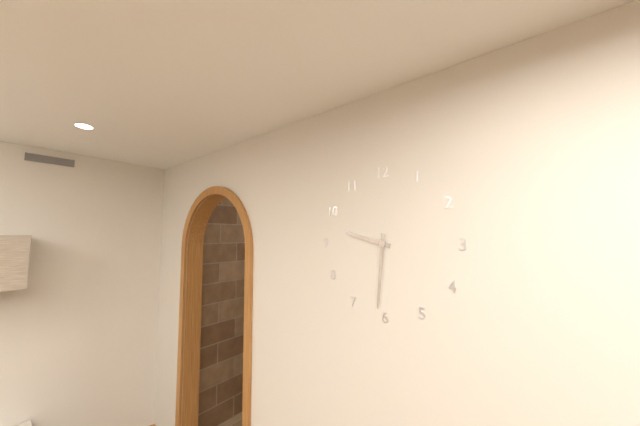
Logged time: **9:31**
